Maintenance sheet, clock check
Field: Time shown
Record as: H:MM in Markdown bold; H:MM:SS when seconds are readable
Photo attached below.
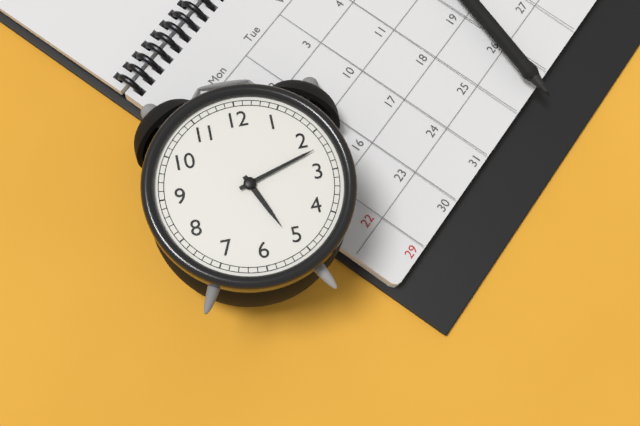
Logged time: **5:12**
